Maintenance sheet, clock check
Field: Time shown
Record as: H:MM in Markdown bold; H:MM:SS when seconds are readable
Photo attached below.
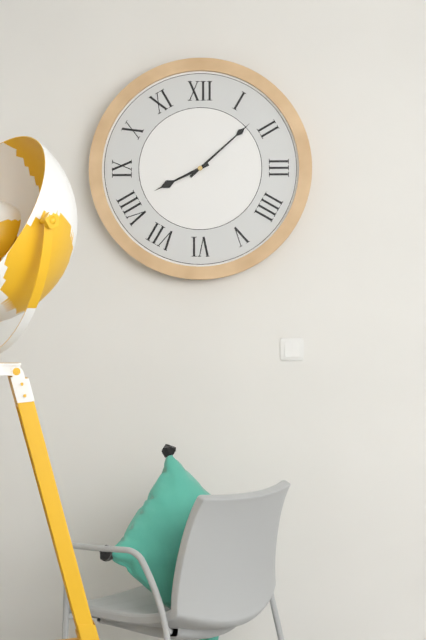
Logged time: **8:08**
